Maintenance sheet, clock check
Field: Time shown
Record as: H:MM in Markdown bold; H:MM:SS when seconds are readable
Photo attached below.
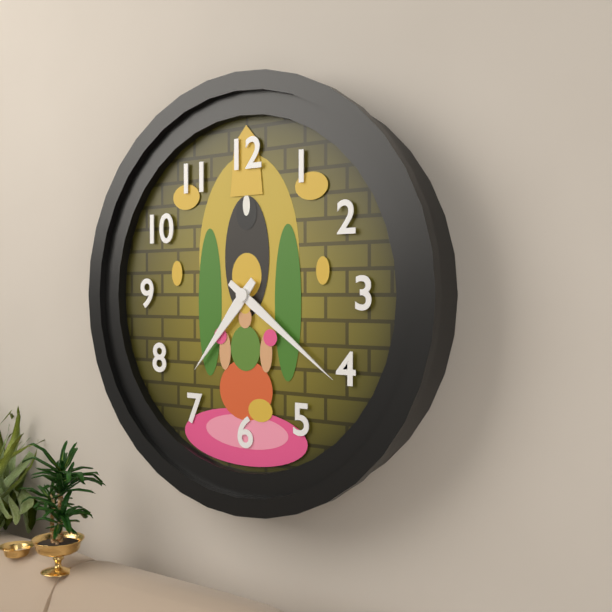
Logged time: **7:21**
